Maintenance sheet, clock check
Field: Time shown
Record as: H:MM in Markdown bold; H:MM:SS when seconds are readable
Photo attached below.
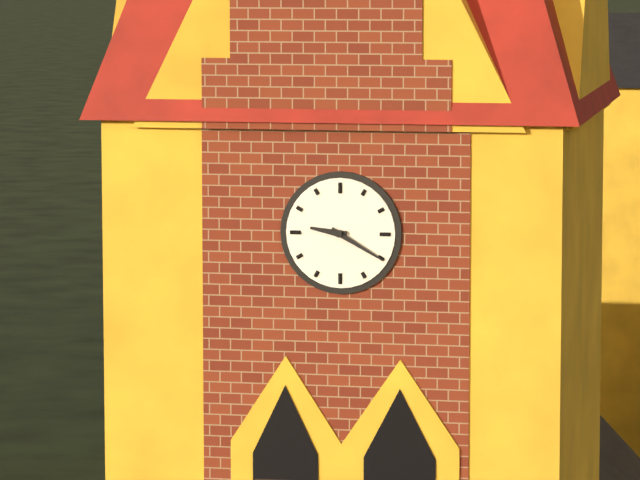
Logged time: **9:20**
